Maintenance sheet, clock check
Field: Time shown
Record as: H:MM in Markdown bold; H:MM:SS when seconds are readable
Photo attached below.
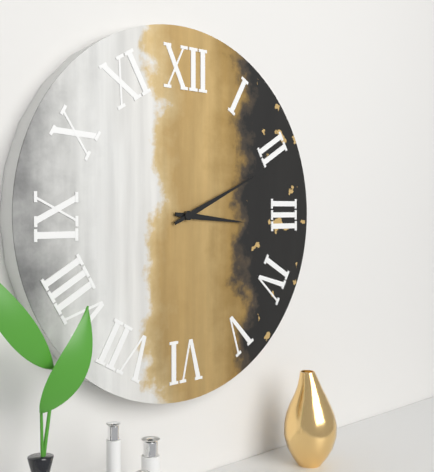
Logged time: **3:11**
